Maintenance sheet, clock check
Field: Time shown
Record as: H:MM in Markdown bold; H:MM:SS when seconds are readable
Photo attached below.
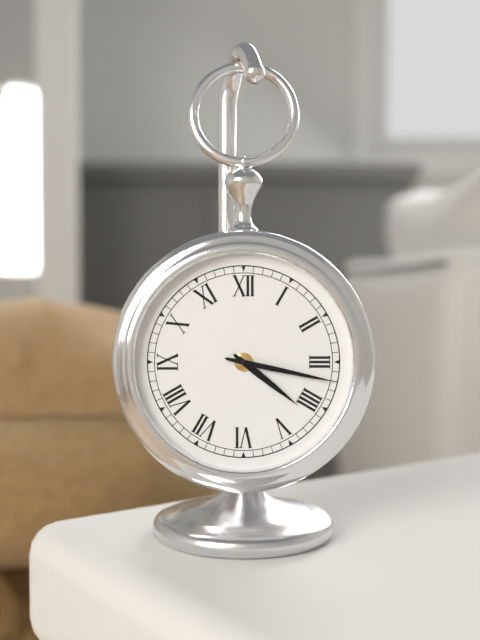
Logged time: **4:17**
